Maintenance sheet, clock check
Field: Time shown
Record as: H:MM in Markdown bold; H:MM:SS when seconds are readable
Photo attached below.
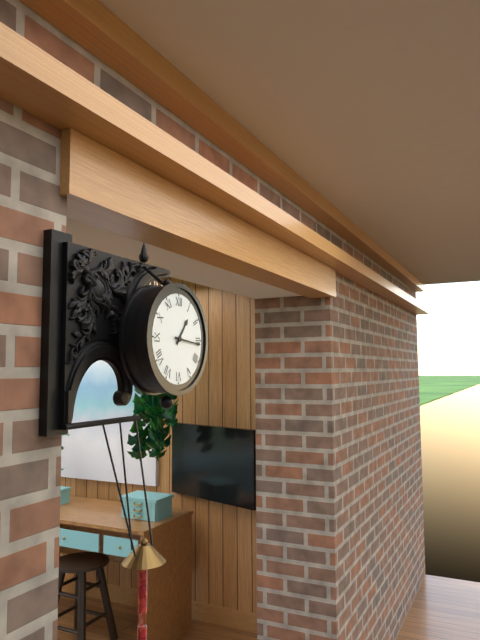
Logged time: **1:16**
